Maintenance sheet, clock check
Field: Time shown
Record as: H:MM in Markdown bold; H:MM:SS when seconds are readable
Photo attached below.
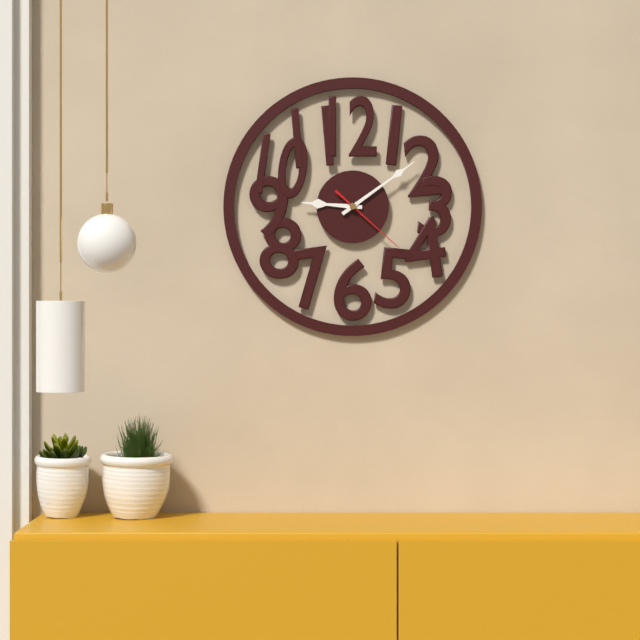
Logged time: **9:09:22**
